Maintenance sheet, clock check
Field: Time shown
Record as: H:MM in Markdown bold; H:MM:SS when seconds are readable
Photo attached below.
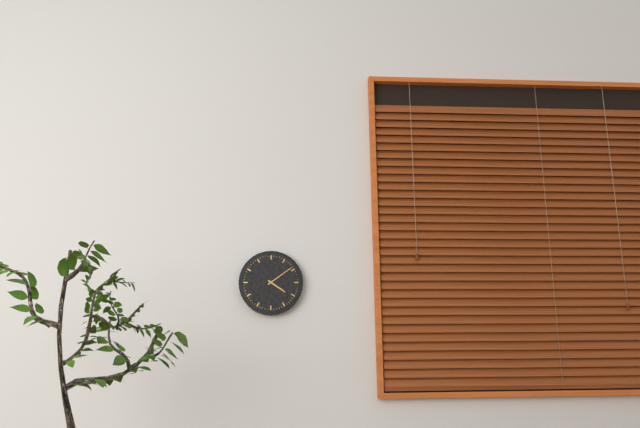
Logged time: **4:09**
